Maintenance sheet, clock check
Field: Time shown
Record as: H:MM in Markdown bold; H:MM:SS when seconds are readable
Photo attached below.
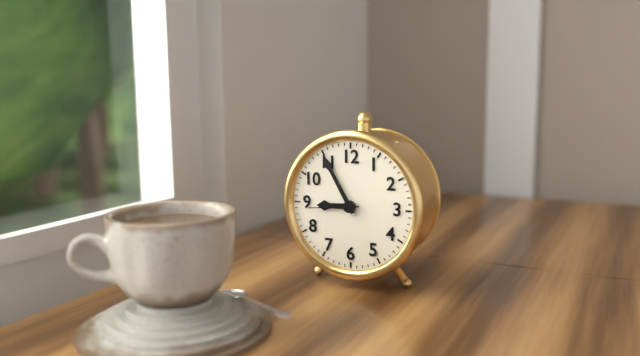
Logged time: **8:55:44**
